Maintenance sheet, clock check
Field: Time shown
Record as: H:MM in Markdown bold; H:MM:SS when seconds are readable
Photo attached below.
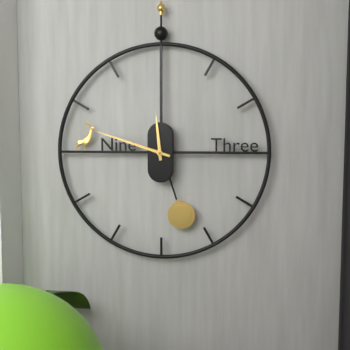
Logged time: **11:48**
